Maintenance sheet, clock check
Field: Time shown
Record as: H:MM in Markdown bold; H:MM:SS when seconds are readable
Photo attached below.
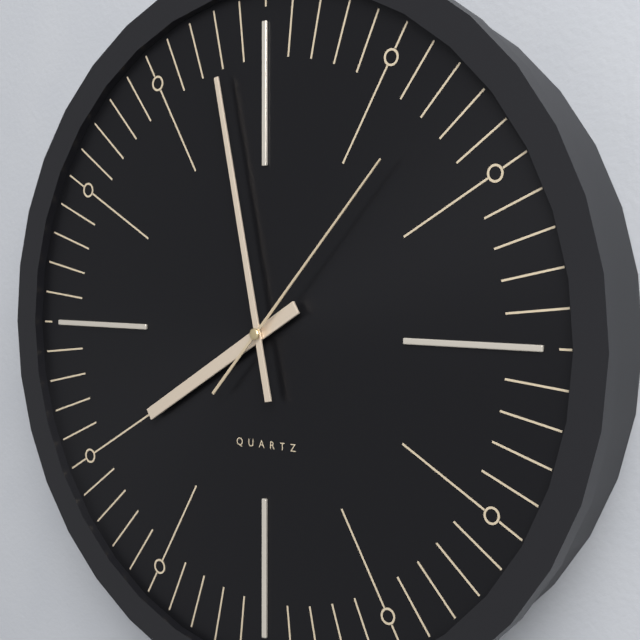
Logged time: **7:58:07**
